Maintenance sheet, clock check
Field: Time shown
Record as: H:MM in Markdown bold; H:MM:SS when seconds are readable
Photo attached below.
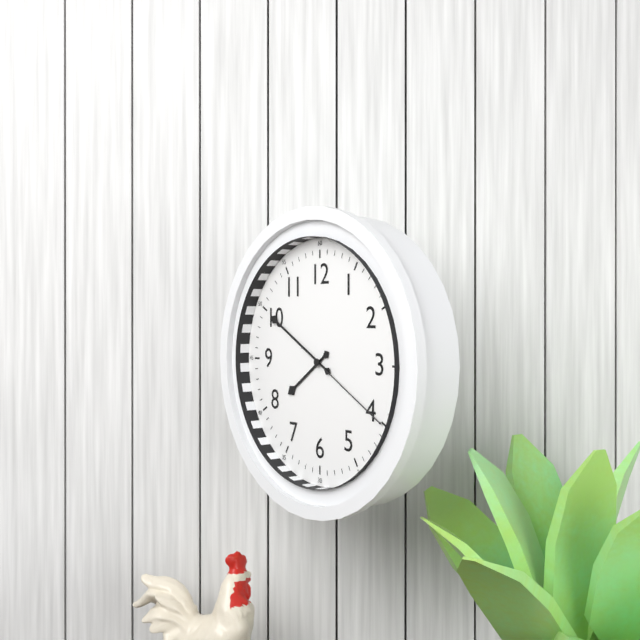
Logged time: **7:50:20**
